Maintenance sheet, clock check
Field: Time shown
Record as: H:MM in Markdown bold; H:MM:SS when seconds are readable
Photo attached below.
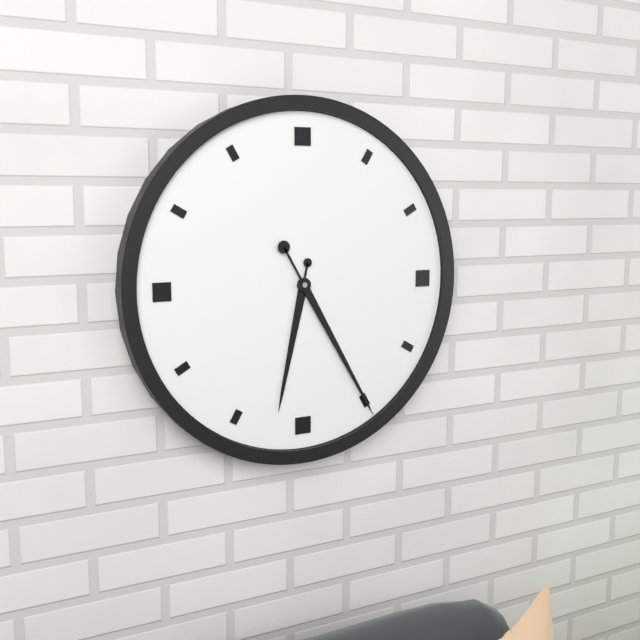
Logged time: **6:25**
